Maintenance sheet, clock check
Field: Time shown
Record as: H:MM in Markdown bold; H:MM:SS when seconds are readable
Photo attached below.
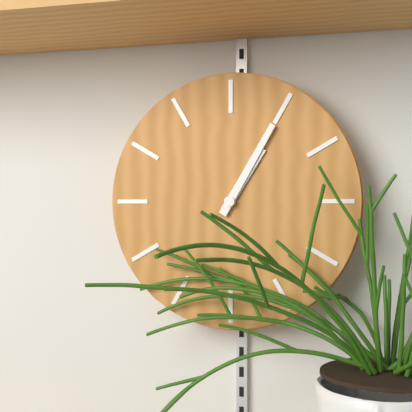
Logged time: **1:05**
